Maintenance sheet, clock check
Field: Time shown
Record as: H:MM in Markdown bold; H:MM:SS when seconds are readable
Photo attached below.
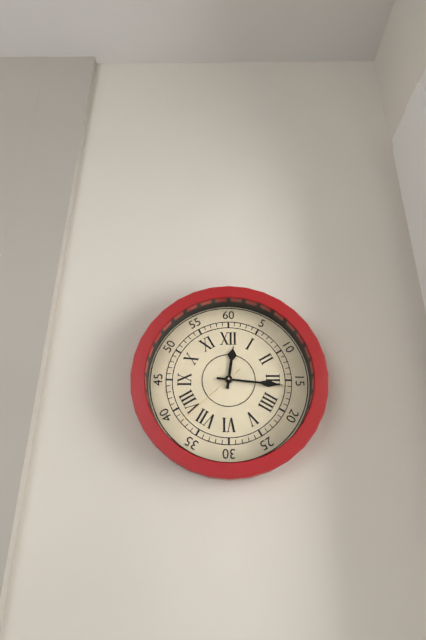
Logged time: **12:16:38**
